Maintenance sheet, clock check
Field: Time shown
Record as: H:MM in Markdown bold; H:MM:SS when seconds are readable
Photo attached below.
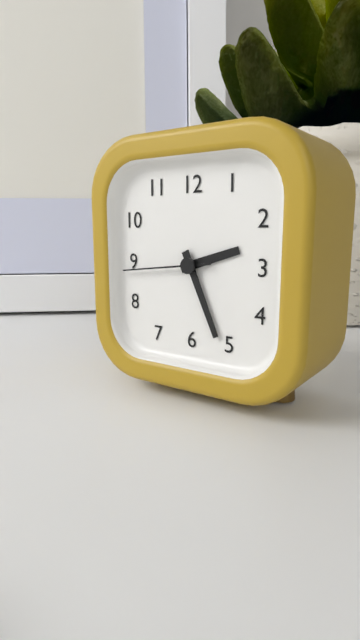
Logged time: **2:26:44**
